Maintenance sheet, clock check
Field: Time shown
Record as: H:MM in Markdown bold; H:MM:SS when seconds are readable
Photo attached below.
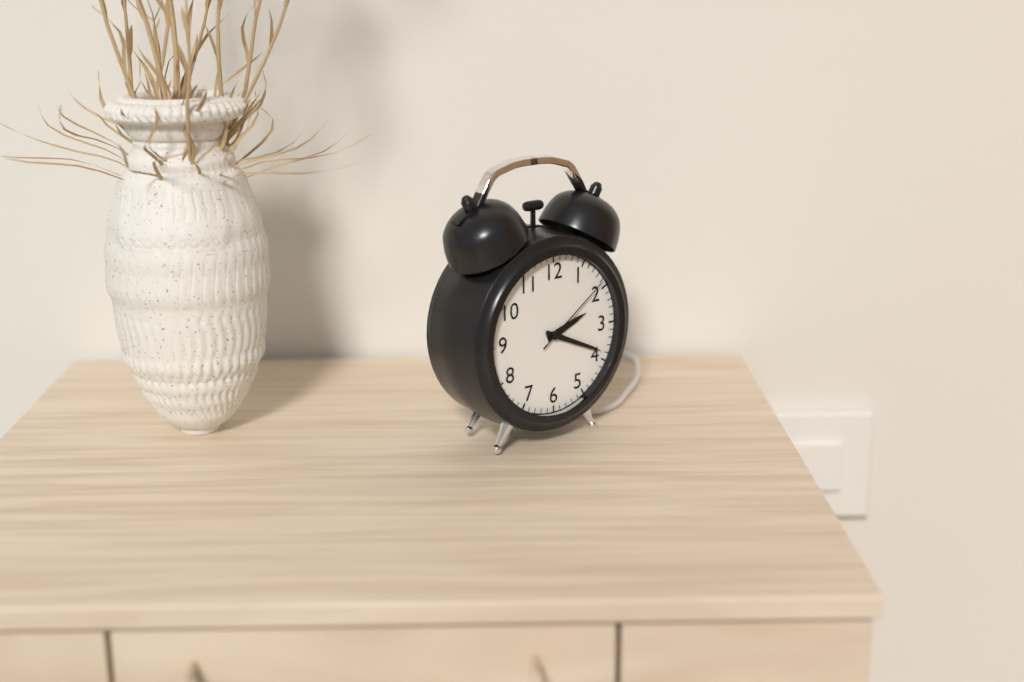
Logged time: **2:19:09**
